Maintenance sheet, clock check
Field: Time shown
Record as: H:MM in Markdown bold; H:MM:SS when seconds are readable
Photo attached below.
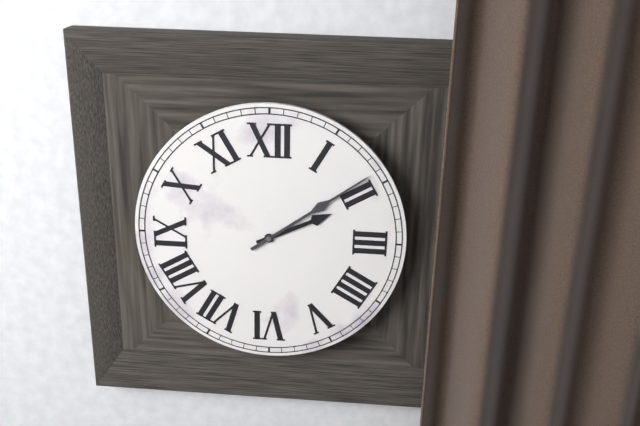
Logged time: **2:09**
